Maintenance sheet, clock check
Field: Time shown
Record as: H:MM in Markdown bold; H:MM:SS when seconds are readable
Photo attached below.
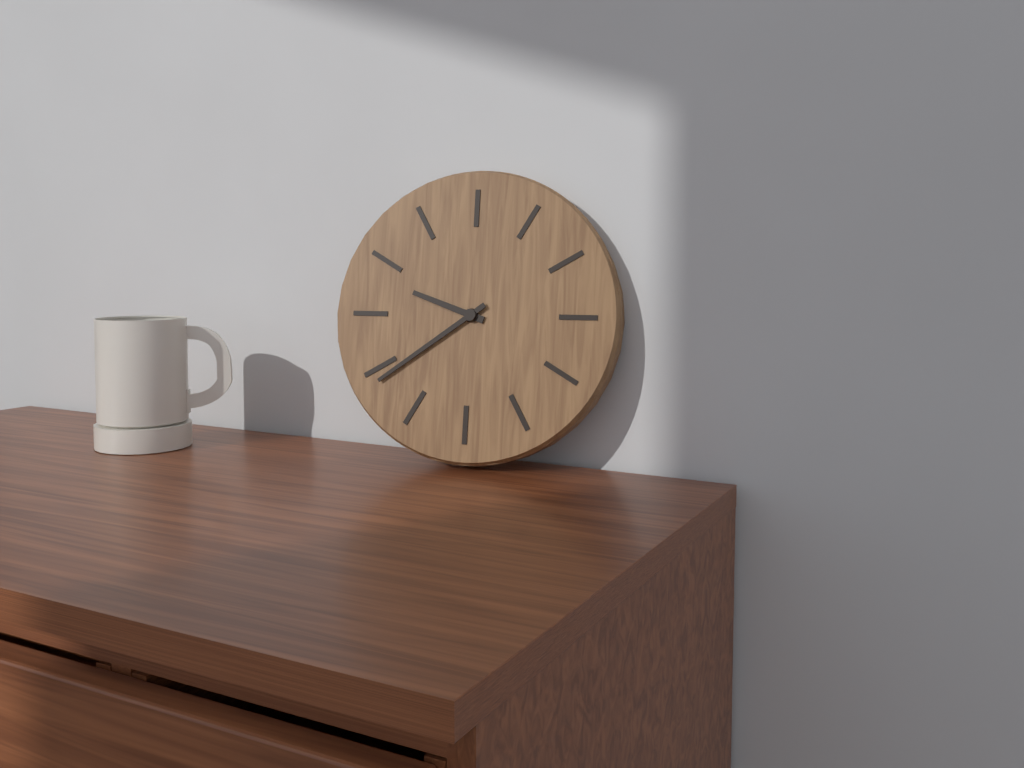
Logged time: **9:39**
